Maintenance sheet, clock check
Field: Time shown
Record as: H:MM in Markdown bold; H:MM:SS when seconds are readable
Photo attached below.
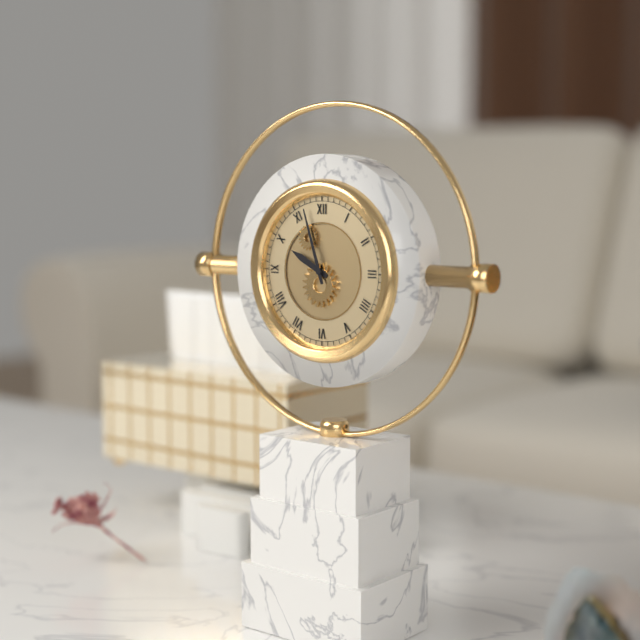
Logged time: **9:57**
